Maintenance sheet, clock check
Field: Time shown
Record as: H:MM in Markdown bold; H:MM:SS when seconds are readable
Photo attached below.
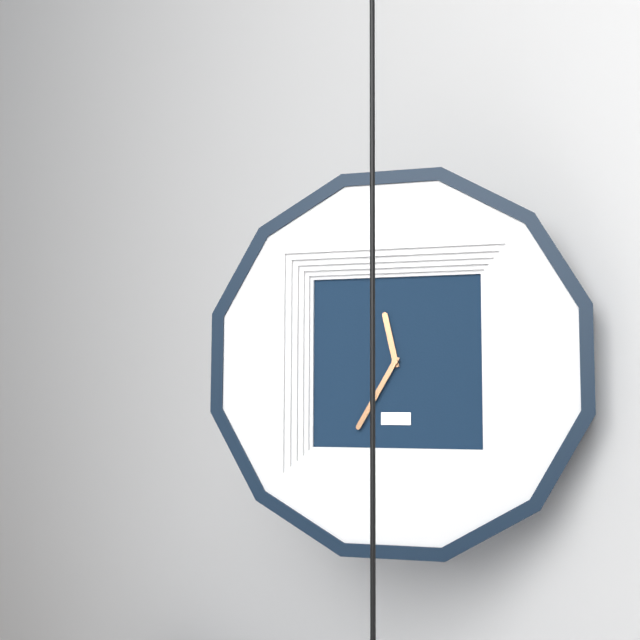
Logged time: **11:35**
